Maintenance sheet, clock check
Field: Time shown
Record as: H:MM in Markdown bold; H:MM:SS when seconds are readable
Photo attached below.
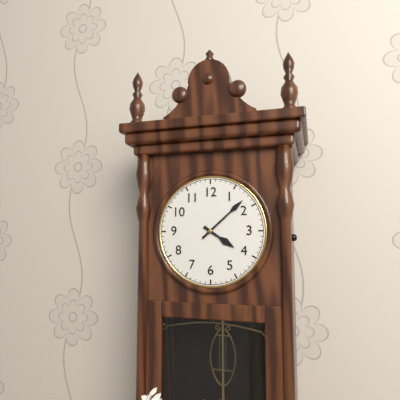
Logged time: **4:08**
